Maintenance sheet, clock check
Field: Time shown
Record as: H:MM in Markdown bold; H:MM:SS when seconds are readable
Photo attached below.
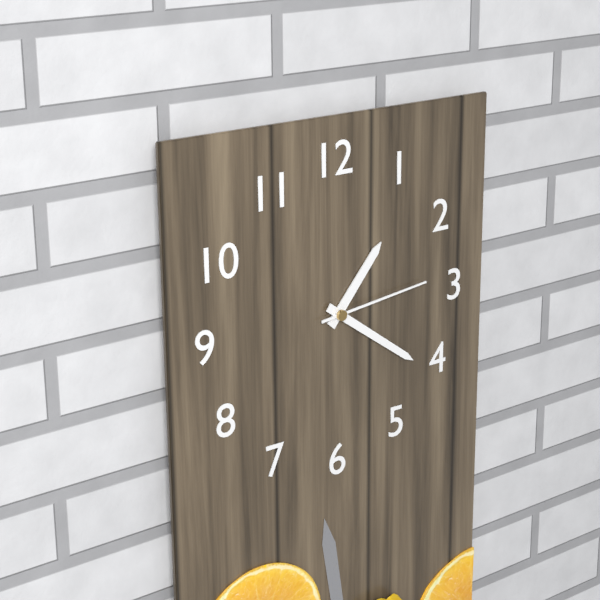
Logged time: **1:21:14**
